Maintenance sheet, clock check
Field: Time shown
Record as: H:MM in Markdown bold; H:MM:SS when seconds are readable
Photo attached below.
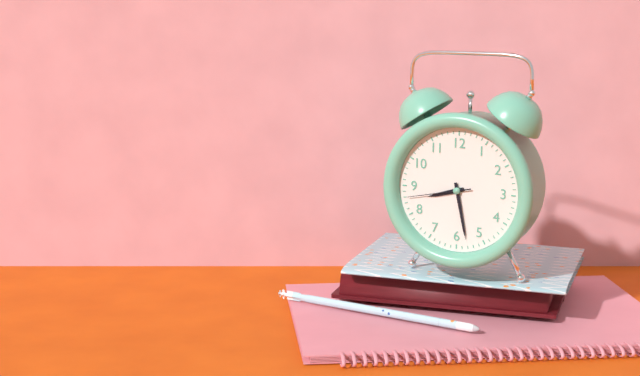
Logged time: **8:28:43**
